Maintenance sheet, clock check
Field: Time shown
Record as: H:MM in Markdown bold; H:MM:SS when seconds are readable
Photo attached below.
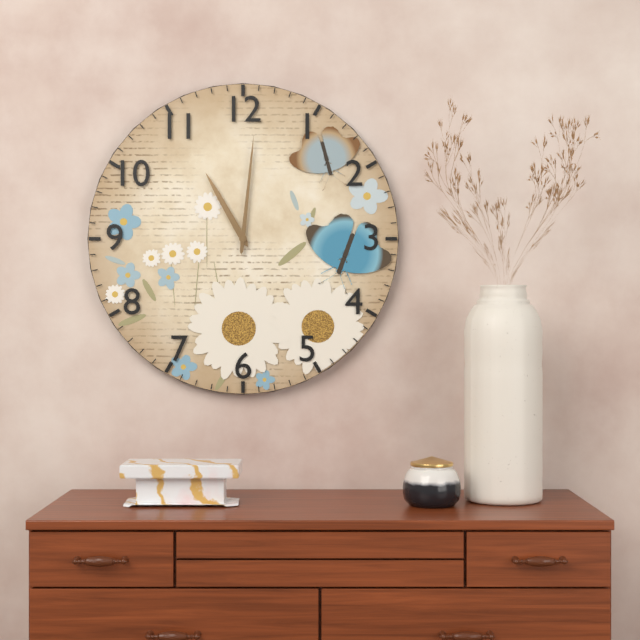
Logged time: **11:01**
